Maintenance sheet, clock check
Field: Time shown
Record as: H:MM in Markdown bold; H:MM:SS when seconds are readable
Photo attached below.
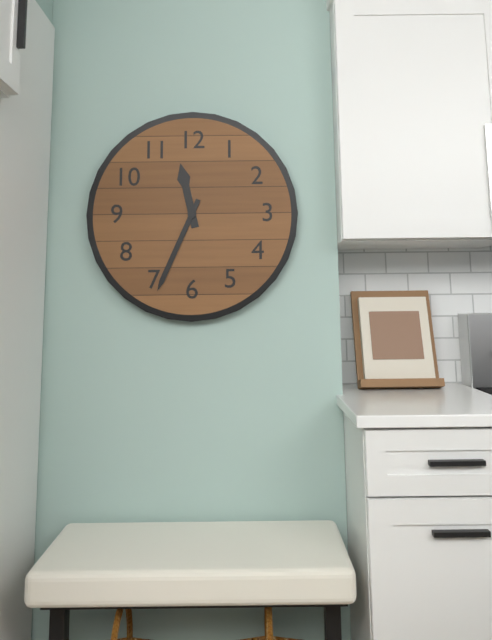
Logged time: **11:34**
